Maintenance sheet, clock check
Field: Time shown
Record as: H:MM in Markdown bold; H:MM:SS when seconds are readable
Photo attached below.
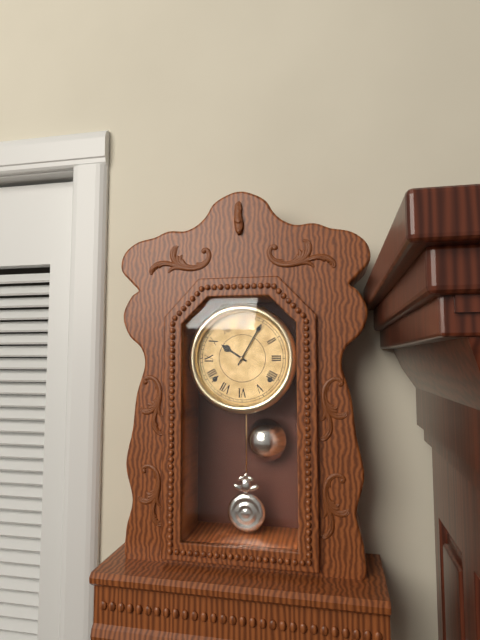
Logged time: **10:05**
